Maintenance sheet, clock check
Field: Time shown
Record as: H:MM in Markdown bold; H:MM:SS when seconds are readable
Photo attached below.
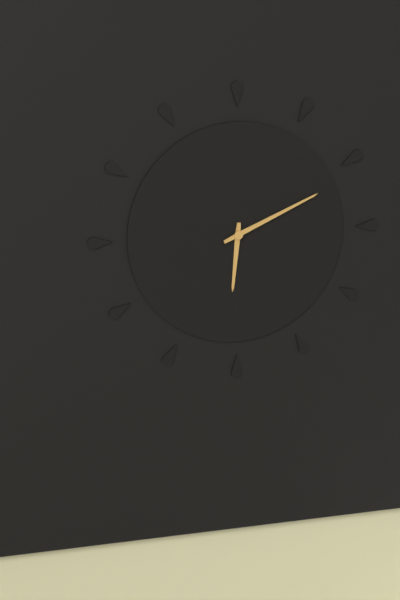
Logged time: **6:11**
